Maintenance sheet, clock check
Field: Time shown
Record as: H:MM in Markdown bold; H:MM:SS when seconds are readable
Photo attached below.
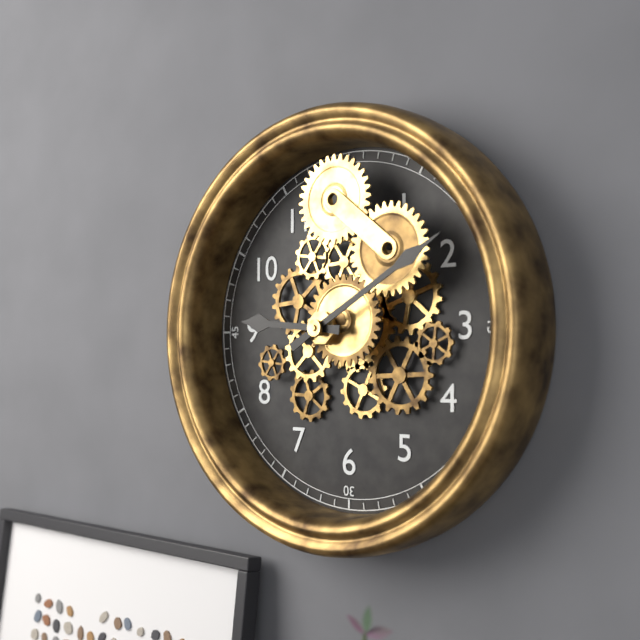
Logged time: **9:10**
